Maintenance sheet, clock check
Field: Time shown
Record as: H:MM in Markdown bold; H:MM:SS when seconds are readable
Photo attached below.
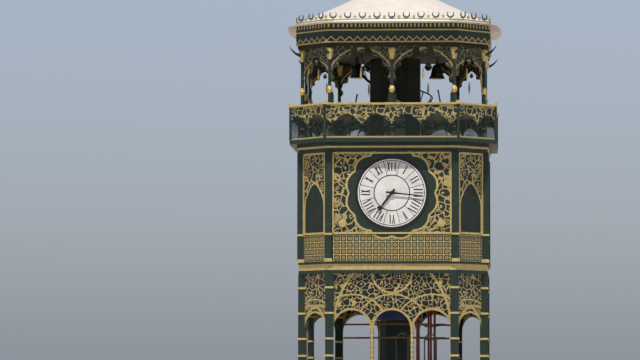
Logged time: **7:16**
